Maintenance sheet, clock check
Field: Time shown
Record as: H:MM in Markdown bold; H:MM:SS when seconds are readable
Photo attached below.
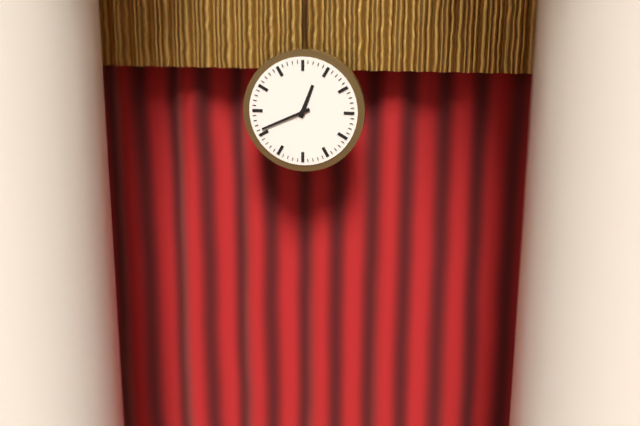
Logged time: **12:41**
